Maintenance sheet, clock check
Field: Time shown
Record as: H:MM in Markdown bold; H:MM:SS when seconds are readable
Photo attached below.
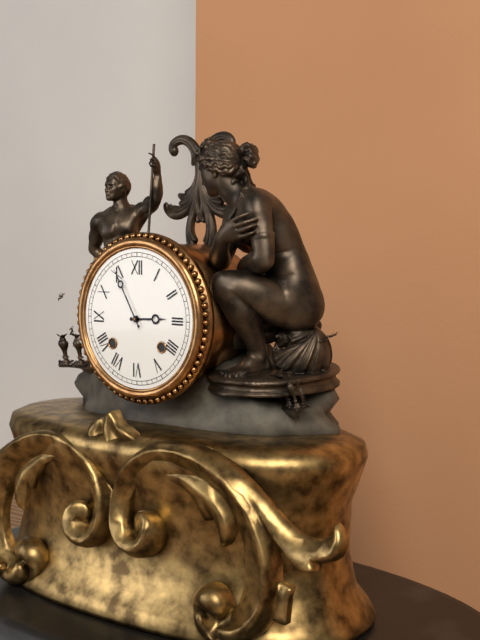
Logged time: **2:55**
